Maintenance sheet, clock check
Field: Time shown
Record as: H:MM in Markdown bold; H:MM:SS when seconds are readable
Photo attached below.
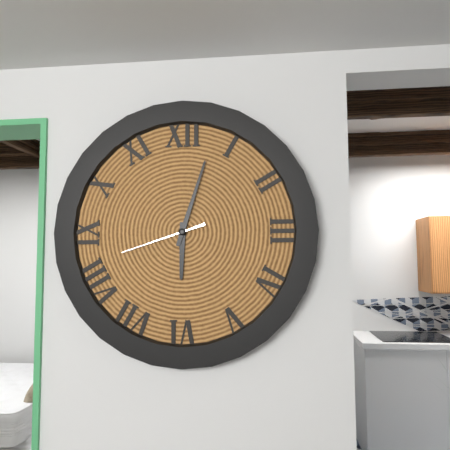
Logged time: **6:03:42**
